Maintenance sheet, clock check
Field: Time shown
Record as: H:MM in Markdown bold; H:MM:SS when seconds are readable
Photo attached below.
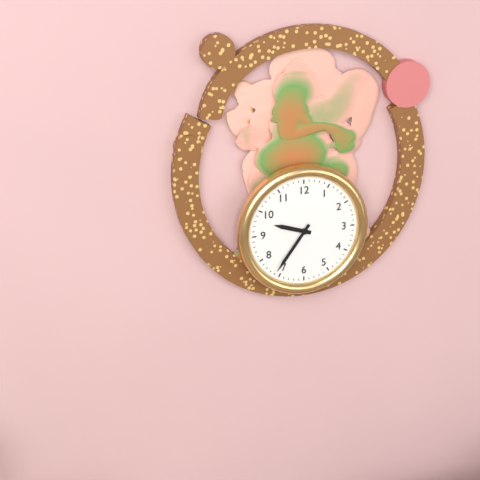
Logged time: **9:36**
